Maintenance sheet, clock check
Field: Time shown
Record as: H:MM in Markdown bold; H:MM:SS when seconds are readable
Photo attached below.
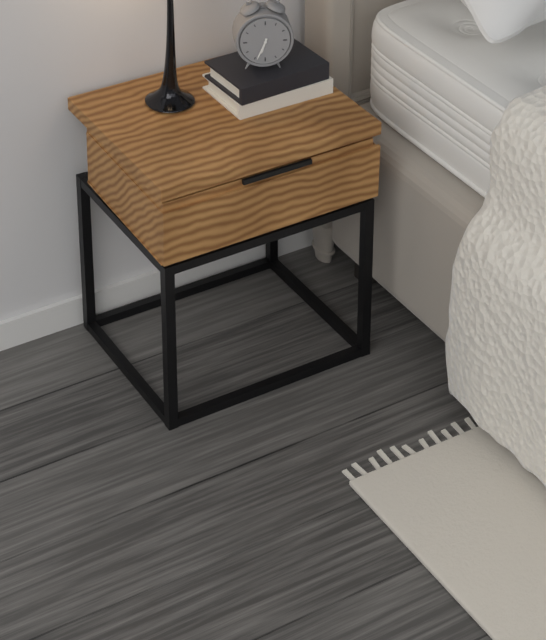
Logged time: **6:34**
